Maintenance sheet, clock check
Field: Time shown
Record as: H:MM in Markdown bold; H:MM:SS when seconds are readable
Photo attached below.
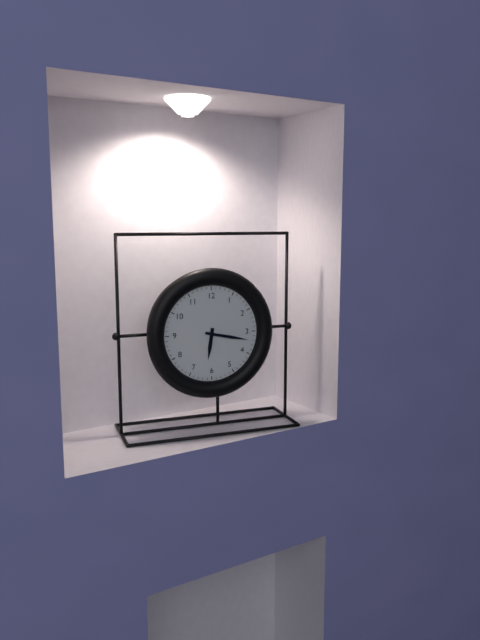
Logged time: **6:17**
